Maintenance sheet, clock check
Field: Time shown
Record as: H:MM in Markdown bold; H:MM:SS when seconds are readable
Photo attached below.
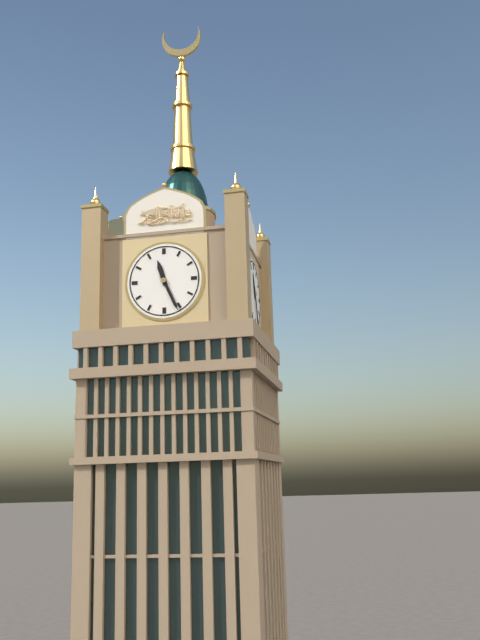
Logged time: **11:26**
